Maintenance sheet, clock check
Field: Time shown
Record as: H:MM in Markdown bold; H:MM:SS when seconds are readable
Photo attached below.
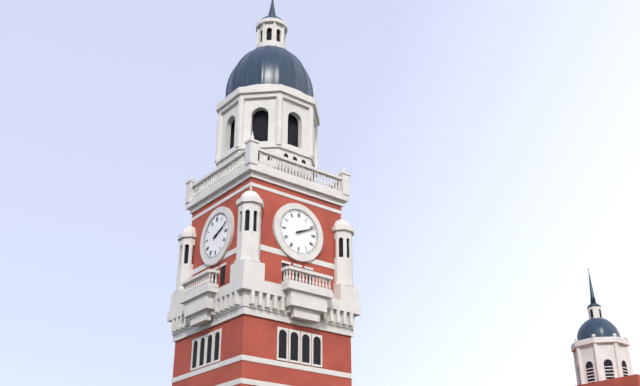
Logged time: **2:11**
